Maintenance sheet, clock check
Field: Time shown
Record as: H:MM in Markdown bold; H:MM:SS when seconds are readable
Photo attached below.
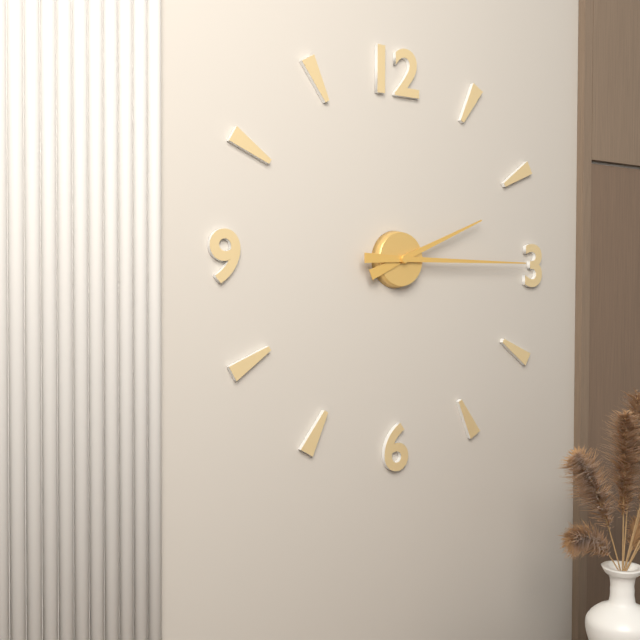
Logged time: **2:15**
